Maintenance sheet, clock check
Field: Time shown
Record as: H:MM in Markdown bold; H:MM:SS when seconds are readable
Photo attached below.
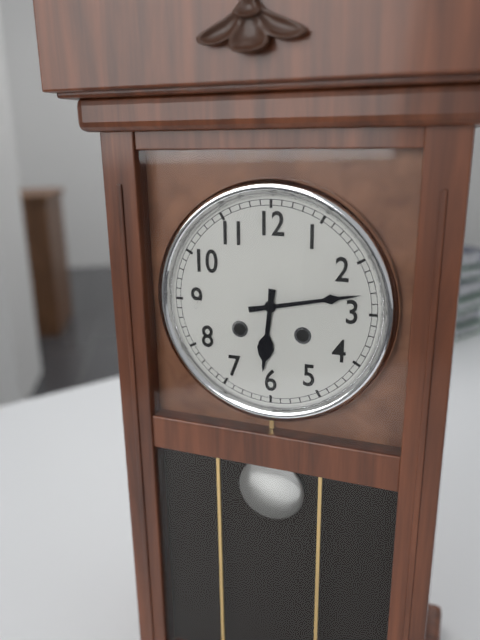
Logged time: **6:13**
